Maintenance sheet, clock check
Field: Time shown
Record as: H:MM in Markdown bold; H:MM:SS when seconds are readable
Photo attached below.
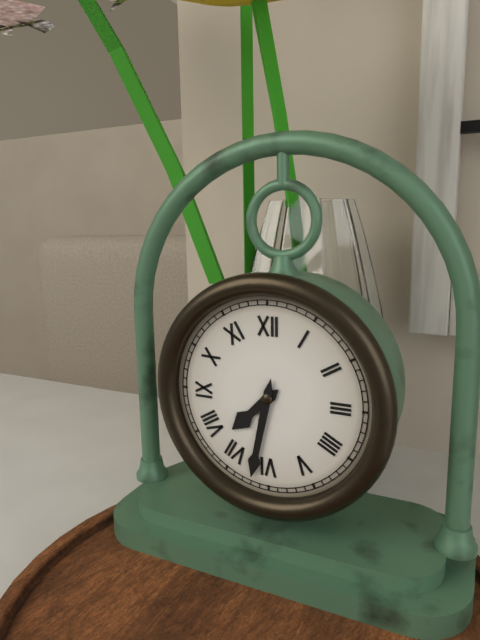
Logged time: **7:32**
